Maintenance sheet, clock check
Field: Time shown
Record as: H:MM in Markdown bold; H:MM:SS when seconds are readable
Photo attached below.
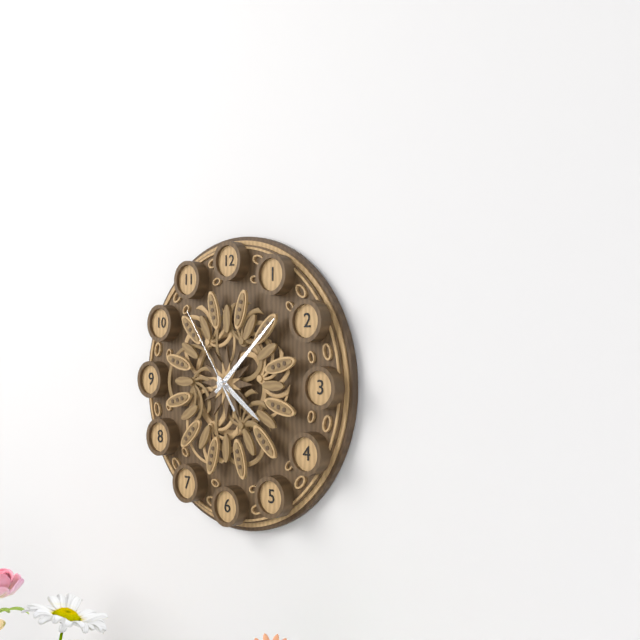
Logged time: **4:08:54**
